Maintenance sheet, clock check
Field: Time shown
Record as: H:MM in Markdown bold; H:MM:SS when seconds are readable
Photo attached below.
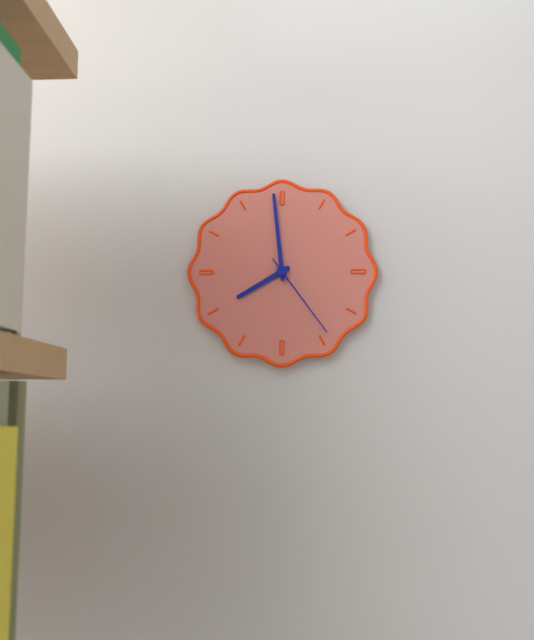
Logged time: **7:59:24**
